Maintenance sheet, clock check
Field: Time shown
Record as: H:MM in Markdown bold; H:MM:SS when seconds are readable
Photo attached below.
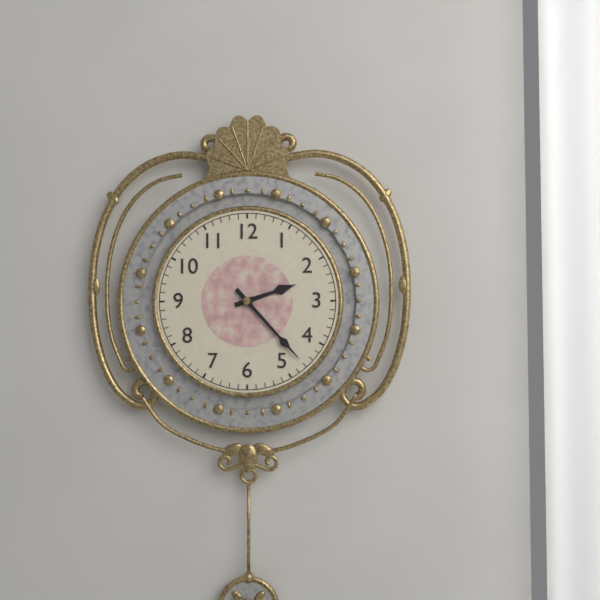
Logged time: **2:23**
